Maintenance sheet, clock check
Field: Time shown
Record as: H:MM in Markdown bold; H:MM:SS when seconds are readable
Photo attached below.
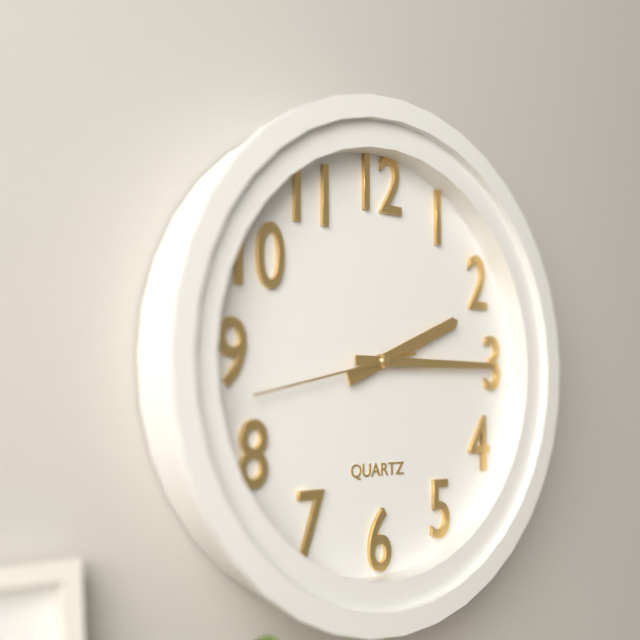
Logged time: **2:15:43**
